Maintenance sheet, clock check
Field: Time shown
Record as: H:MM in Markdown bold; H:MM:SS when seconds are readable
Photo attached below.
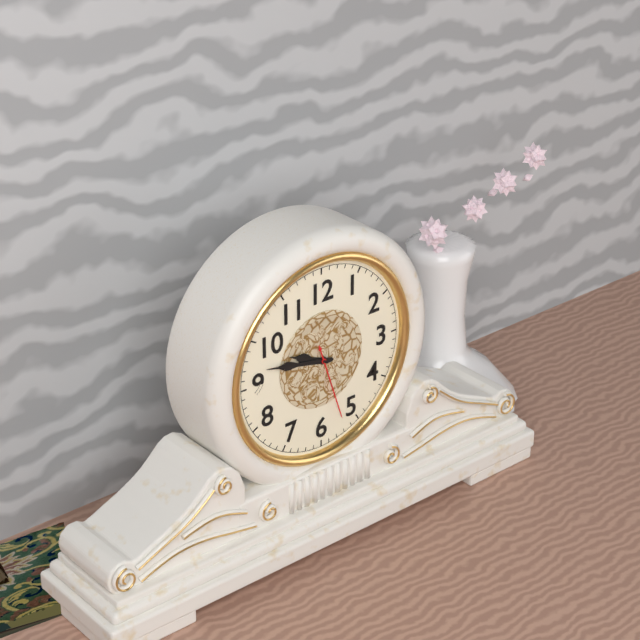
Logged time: **9:47:27**
